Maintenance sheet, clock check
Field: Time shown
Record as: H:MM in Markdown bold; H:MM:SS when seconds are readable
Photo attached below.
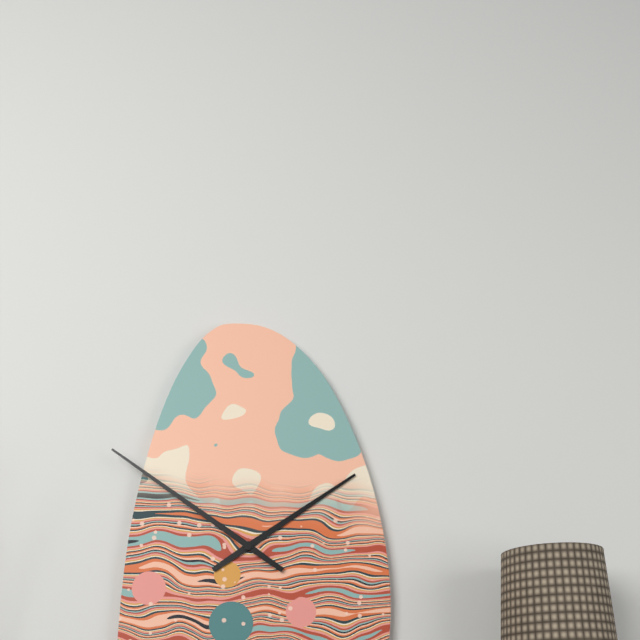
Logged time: **1:51**
